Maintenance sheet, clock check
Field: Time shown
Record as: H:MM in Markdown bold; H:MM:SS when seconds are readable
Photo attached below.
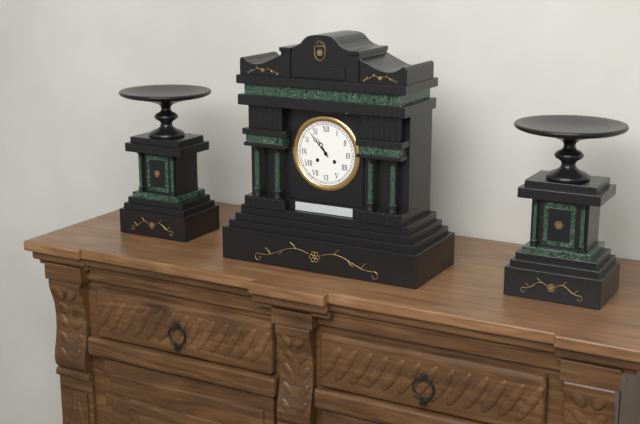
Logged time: **10:53**
